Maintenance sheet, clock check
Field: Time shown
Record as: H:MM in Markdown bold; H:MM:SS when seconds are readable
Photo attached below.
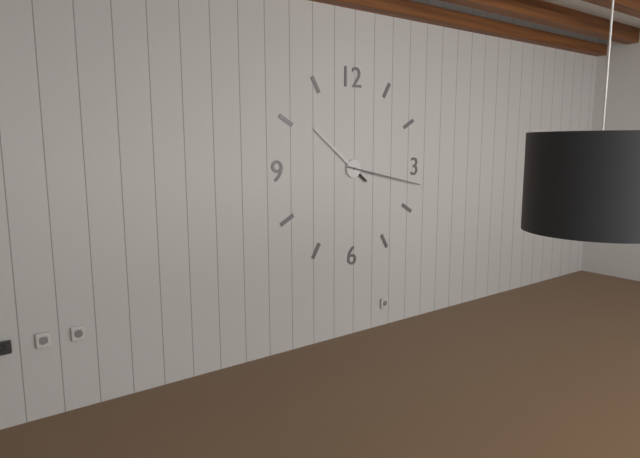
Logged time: **10:17**
